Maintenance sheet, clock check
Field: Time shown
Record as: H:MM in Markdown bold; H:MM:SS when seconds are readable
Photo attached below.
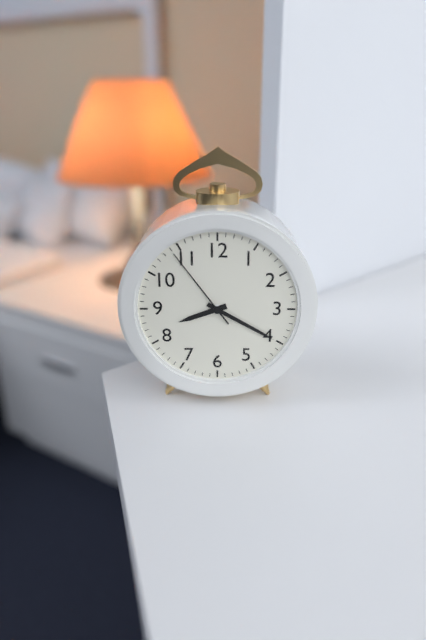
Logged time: **8:20:54**
